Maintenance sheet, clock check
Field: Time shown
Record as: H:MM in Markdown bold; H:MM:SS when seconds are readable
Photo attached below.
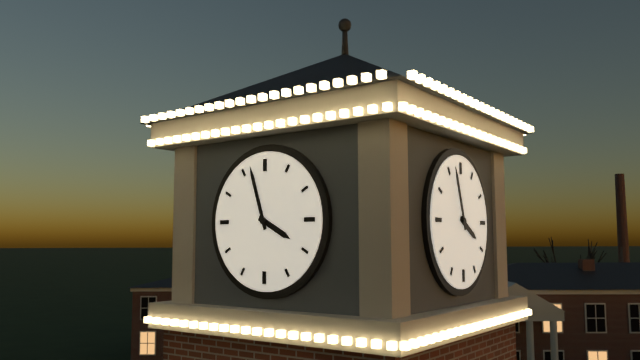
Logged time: **3:57**
